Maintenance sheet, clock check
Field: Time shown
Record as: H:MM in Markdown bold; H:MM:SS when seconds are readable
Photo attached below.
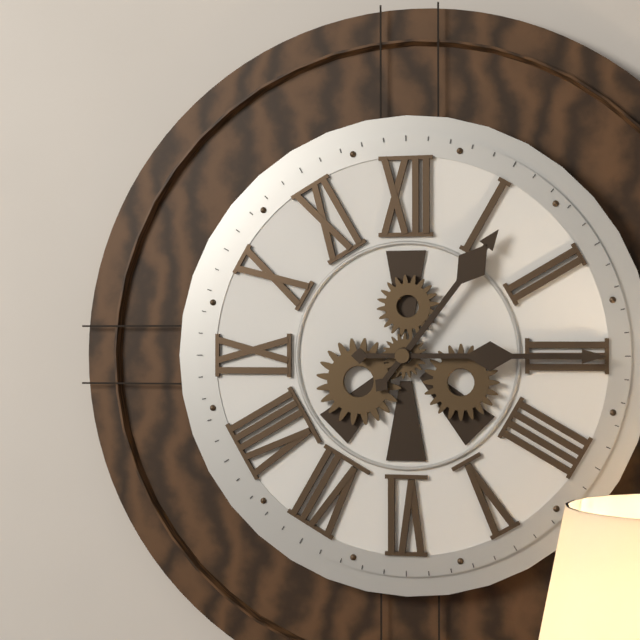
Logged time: **1:15**
